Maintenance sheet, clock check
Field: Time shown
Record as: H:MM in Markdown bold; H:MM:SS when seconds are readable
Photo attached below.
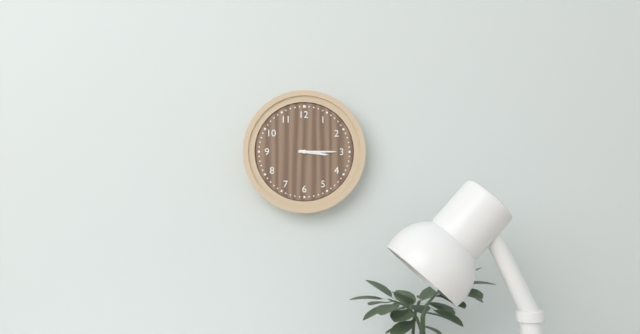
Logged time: **3:15**
